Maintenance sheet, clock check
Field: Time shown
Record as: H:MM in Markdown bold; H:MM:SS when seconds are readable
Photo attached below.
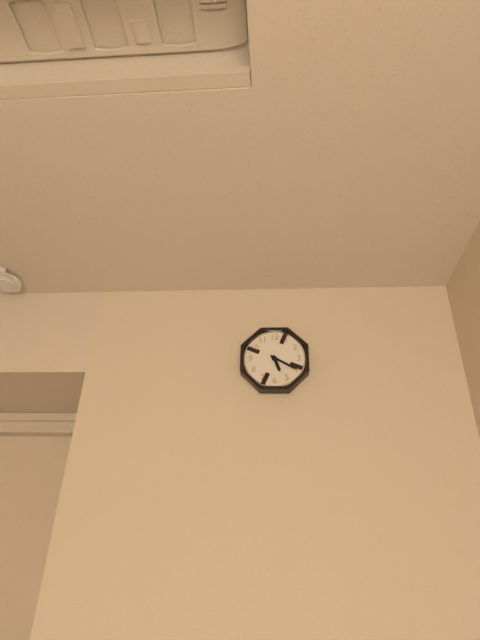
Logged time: **5:20**
